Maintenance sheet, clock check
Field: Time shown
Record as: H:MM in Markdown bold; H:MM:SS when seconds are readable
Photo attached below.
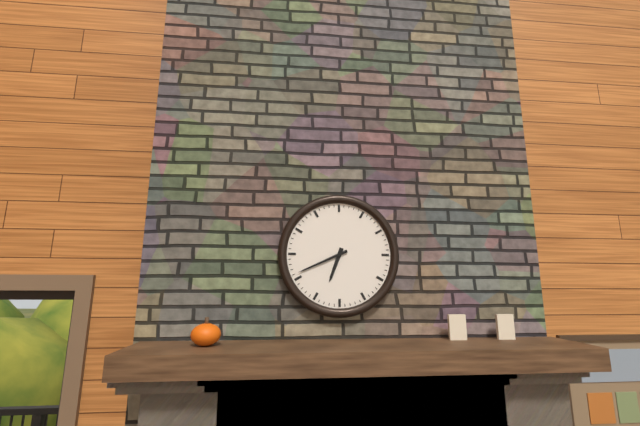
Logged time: **6:41**
